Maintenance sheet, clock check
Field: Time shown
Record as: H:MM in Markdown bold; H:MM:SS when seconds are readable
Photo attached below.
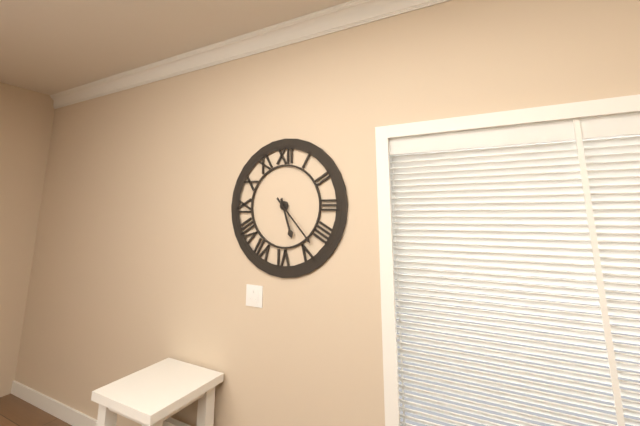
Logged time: **5:23**
